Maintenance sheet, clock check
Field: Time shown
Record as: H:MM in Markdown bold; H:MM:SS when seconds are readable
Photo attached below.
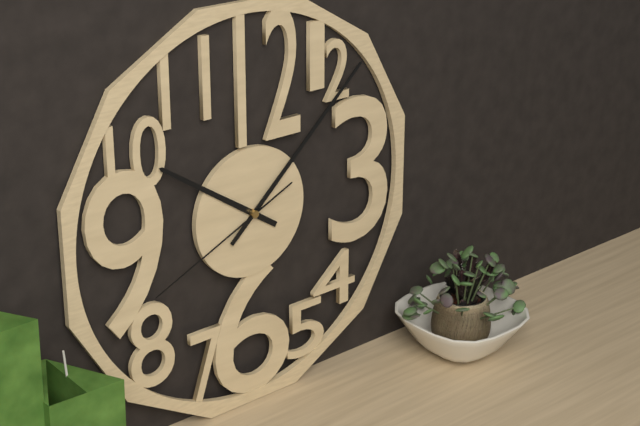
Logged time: **10:08:41**
